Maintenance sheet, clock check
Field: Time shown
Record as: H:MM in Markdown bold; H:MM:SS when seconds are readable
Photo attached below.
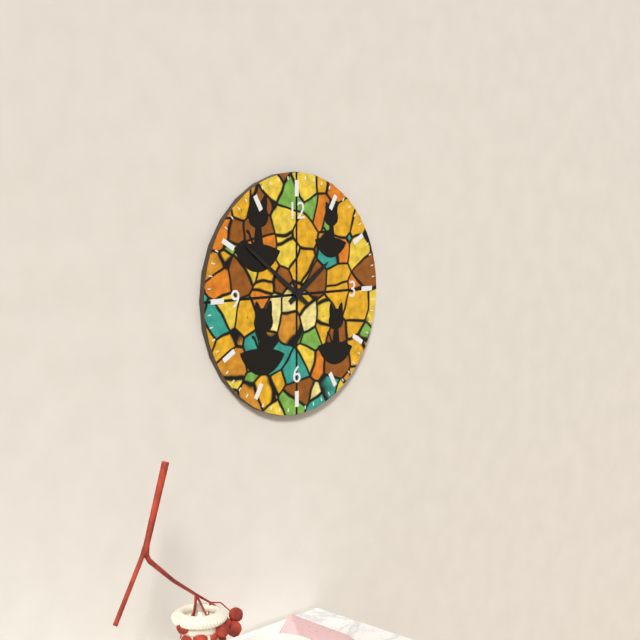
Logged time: **1:51**
